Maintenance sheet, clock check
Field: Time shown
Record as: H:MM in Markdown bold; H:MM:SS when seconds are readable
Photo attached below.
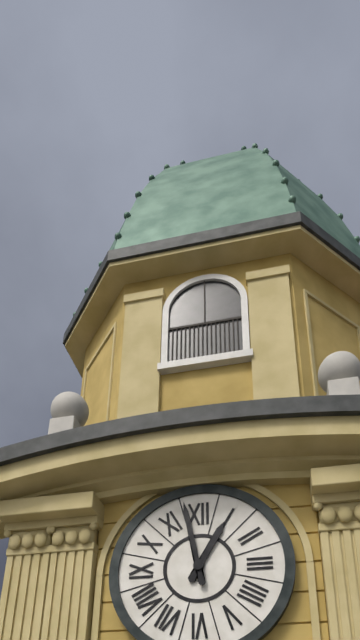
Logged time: **12:58**
